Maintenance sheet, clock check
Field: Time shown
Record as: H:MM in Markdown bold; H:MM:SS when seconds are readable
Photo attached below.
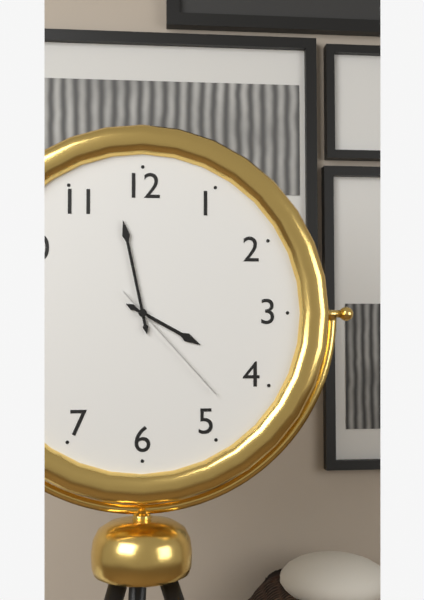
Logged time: **3:58:23**
